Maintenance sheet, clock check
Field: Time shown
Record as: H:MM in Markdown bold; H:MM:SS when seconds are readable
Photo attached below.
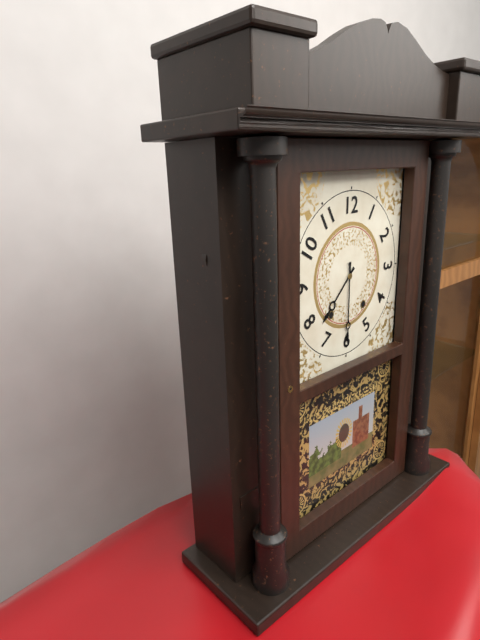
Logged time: **7:30**
